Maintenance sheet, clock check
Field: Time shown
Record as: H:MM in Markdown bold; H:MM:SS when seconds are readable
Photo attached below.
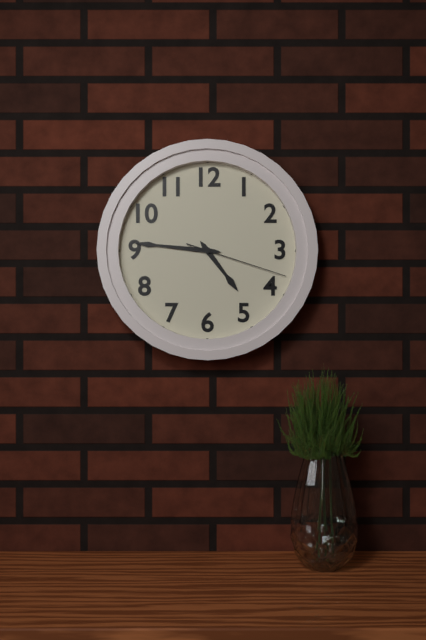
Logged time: **4:46:18**
